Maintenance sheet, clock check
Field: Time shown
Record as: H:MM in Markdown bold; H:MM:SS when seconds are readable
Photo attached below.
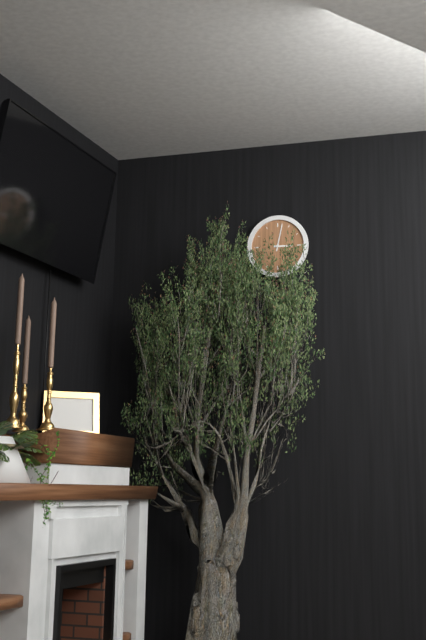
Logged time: **3:02**
